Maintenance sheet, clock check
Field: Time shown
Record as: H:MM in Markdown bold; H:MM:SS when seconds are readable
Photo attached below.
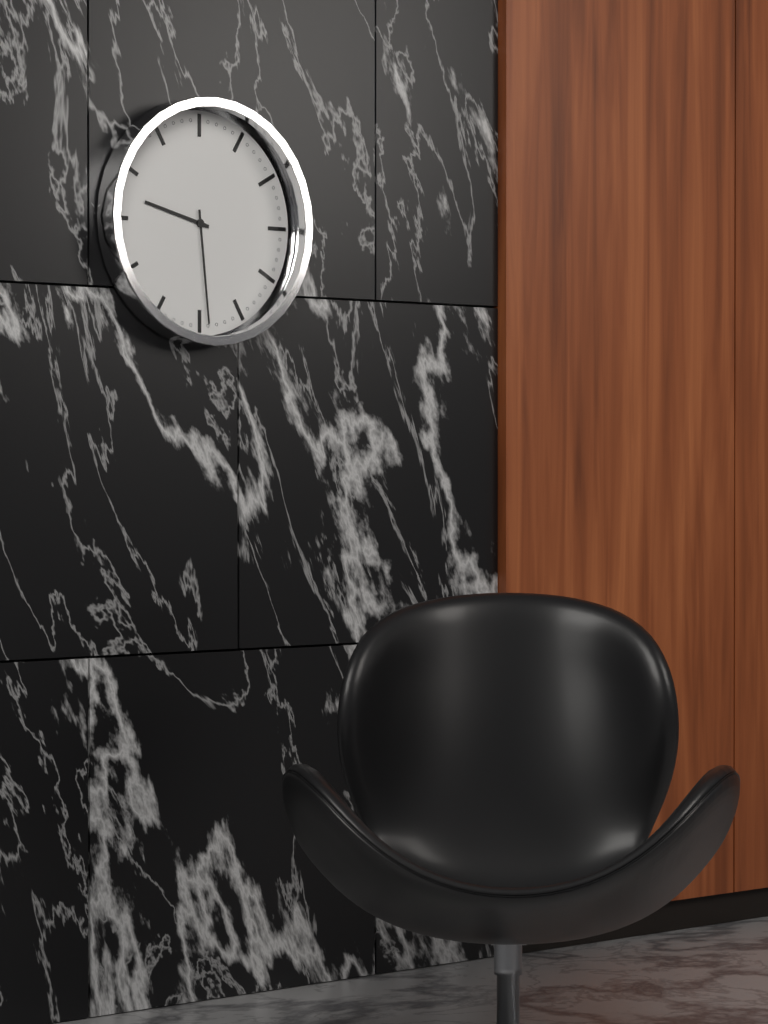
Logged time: **9:29**
